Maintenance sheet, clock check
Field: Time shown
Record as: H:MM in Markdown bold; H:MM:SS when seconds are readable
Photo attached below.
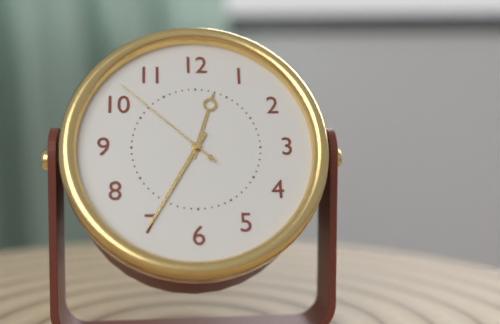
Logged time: **12:35:52**
